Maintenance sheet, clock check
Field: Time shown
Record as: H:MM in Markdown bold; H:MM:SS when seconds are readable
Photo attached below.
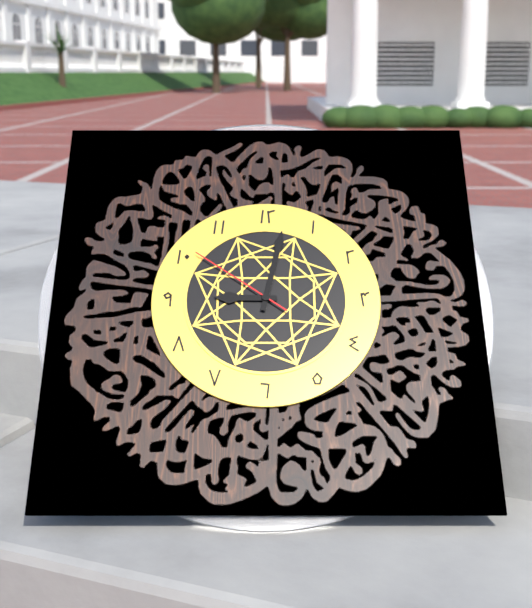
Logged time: **9:02:51**
